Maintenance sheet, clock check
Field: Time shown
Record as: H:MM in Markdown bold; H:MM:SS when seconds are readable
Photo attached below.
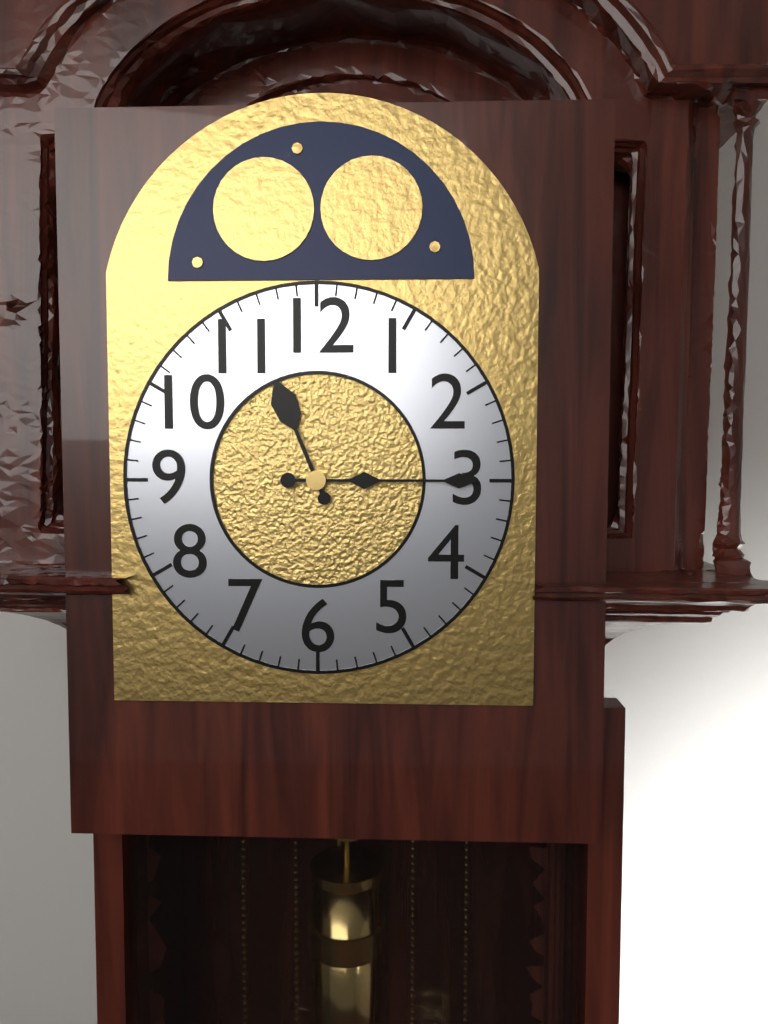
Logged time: **11:15**
